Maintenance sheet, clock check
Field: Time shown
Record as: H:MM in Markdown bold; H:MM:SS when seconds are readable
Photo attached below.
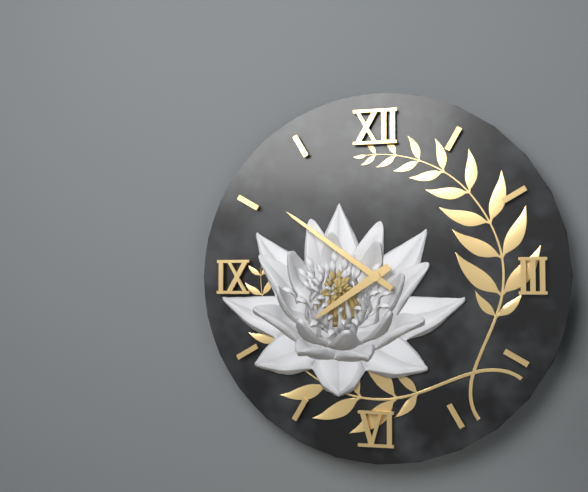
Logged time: **7:51**
